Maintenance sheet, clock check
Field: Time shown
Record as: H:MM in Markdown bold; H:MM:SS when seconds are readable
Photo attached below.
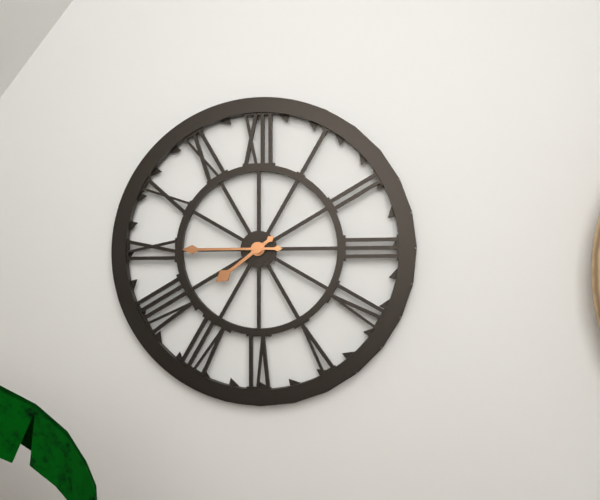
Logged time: **7:45**
